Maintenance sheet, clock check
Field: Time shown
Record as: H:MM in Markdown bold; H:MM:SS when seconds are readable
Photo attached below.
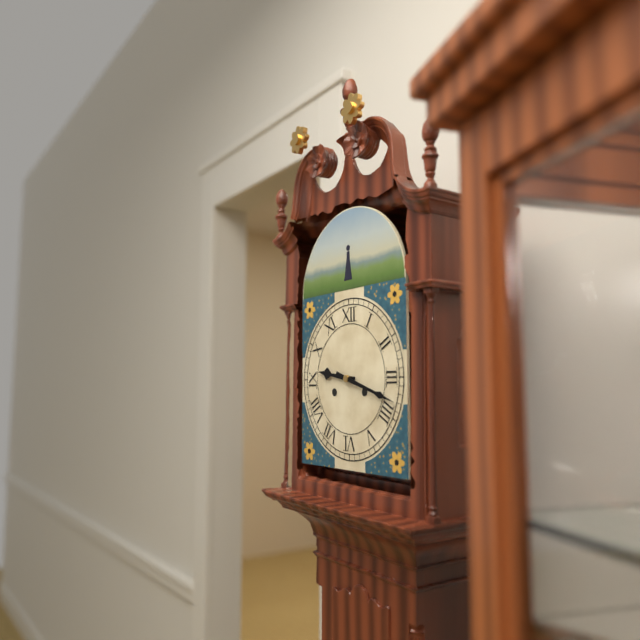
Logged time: **9:18**
